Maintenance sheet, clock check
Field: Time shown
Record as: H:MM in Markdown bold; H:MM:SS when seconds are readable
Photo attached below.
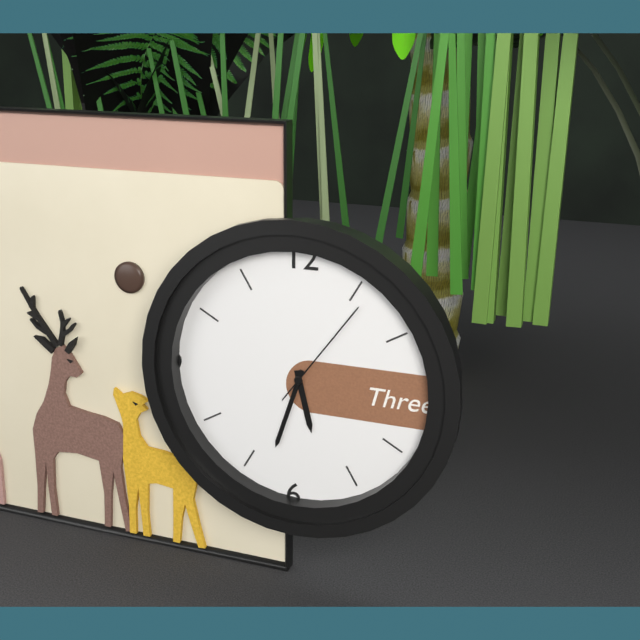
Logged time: **5:33:06**
